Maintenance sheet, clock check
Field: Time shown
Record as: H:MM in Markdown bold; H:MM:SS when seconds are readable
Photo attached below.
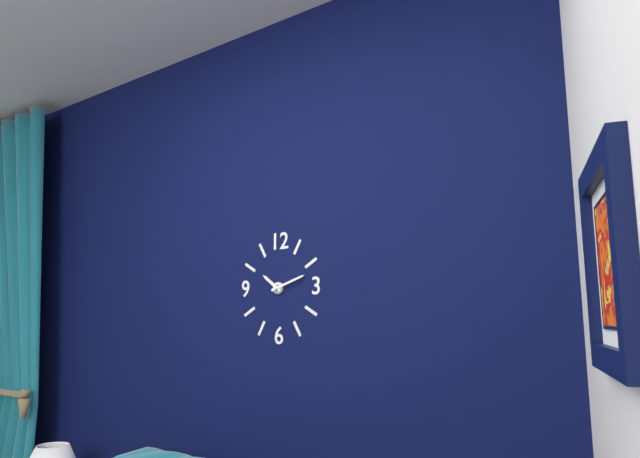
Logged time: **10:12**
